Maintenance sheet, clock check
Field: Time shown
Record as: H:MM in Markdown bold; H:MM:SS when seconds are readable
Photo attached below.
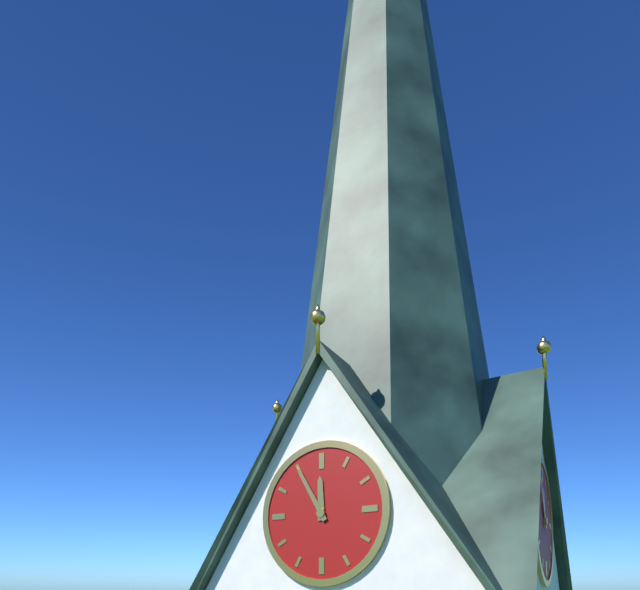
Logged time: **11:55**
